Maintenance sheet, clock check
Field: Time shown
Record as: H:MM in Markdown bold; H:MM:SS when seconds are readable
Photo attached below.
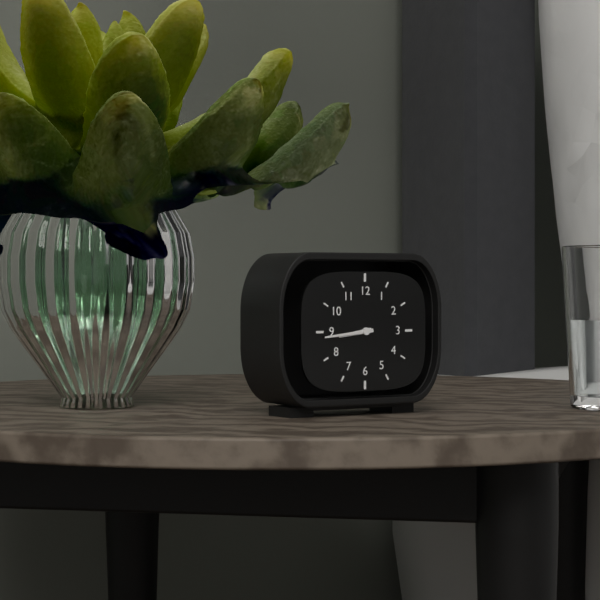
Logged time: **8:44**
